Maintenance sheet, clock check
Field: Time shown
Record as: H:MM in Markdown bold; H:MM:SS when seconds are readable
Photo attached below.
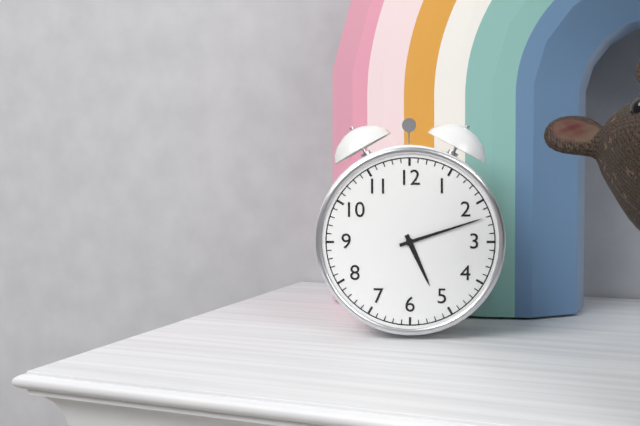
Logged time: **5:12**
